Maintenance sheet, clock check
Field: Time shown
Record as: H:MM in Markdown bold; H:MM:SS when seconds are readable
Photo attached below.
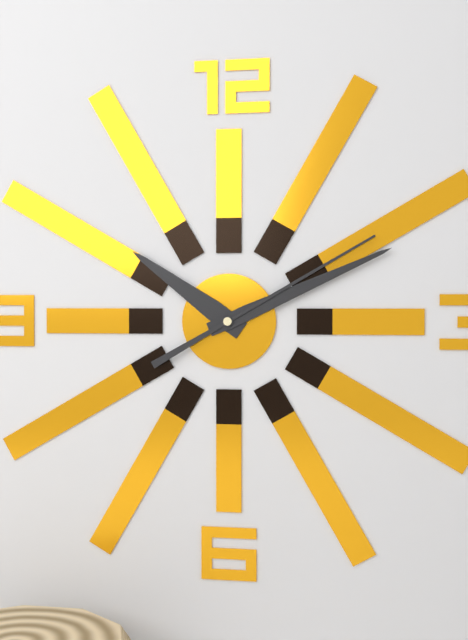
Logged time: **10:11:10**
